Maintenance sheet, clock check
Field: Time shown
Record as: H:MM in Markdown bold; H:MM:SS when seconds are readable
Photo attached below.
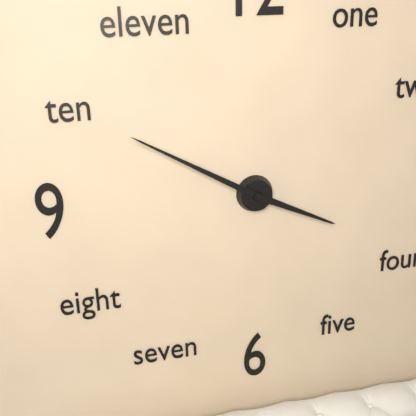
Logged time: **3:50**
